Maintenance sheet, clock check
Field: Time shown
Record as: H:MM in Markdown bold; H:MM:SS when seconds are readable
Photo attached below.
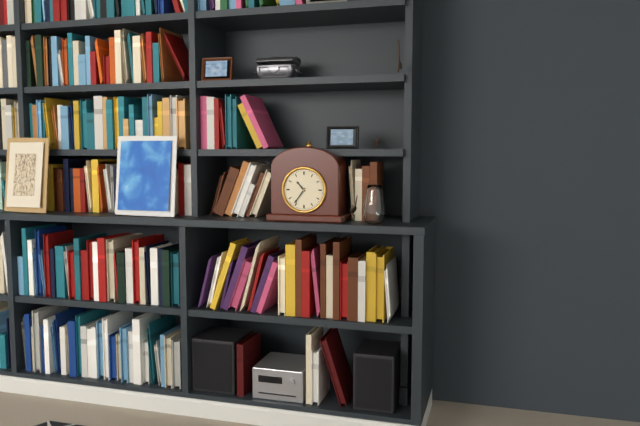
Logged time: **10:36**
